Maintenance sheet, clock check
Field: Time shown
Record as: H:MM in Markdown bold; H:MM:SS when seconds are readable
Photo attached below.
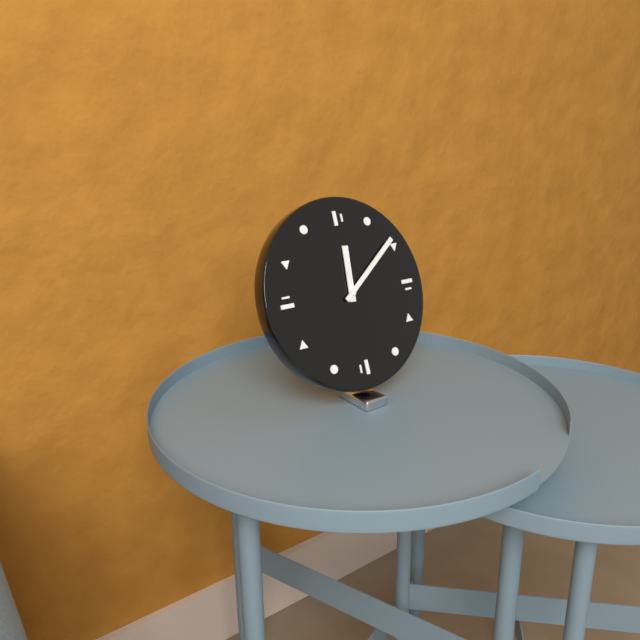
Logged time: **12:09**
